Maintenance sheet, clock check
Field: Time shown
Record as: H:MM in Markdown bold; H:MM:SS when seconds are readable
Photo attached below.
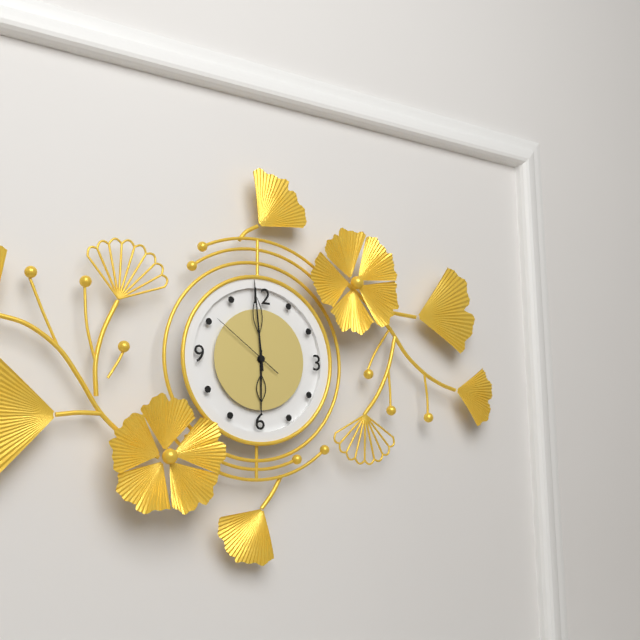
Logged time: **5:59:51**
